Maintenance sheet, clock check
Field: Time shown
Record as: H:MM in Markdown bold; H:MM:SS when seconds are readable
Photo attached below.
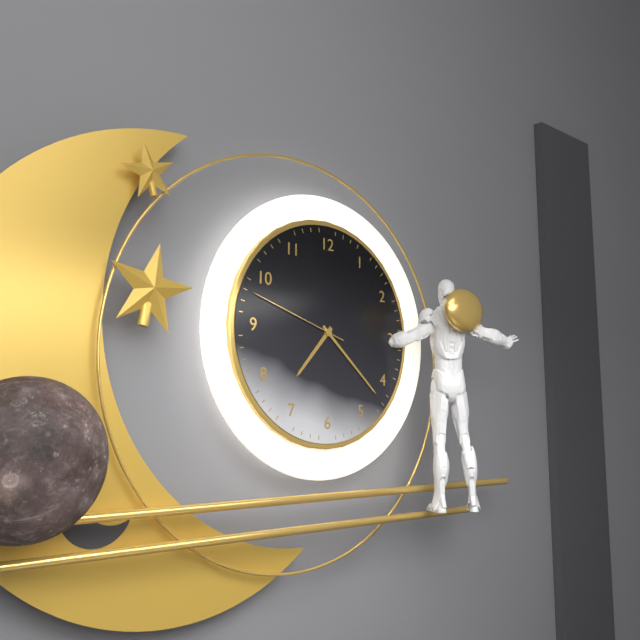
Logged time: **7:22:48**
